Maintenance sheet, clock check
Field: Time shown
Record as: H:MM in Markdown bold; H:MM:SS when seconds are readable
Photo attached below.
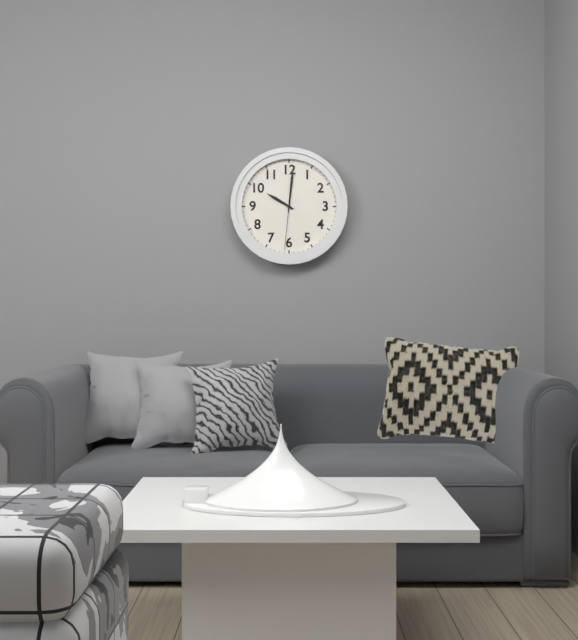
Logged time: **10:01:31**
